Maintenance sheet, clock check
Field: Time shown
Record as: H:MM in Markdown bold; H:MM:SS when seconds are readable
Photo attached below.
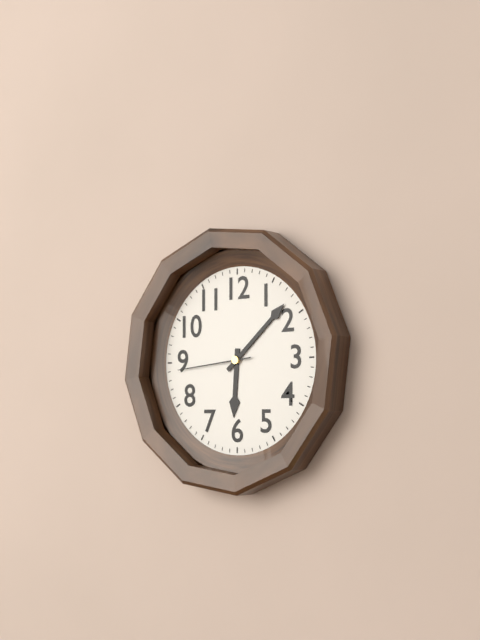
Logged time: **6:08:44**
